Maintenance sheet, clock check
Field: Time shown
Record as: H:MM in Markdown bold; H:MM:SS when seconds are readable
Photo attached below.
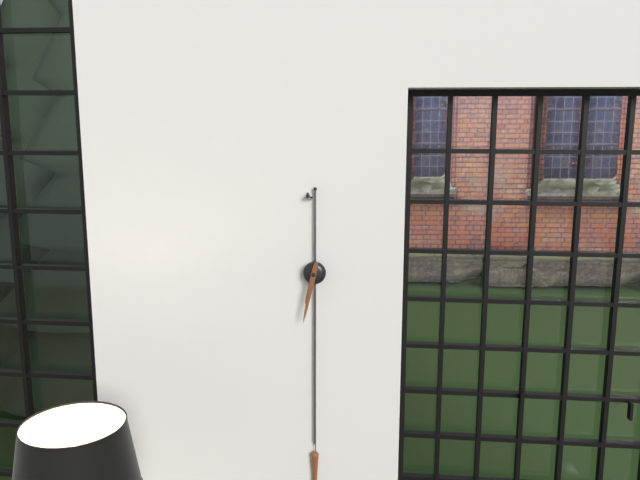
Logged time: **6:32**
